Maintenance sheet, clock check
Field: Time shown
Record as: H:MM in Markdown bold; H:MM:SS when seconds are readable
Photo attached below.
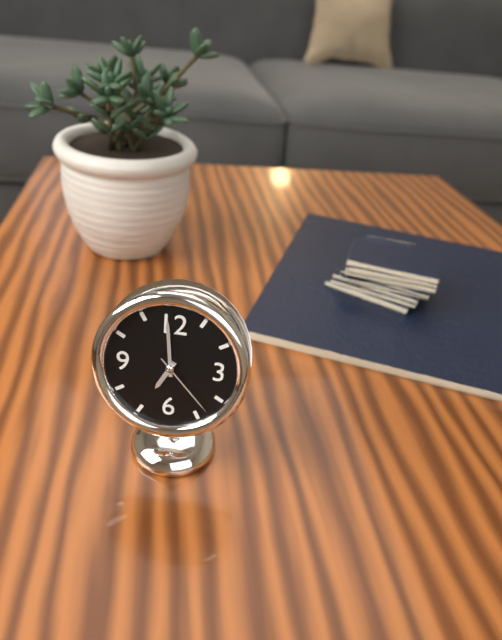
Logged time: **6:59:23**
